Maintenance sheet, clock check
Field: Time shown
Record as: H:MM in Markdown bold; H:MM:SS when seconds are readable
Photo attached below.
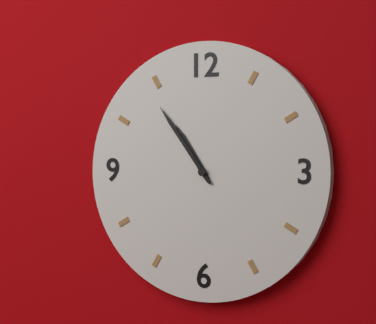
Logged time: **10:54**
